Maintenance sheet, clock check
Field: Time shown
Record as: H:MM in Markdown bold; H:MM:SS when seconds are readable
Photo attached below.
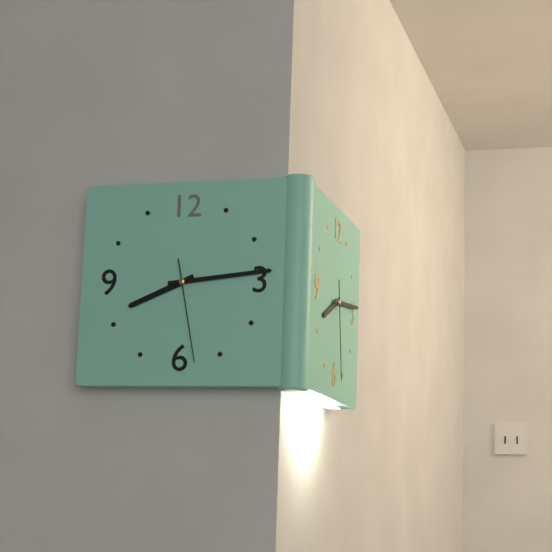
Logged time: **8:14:28**
